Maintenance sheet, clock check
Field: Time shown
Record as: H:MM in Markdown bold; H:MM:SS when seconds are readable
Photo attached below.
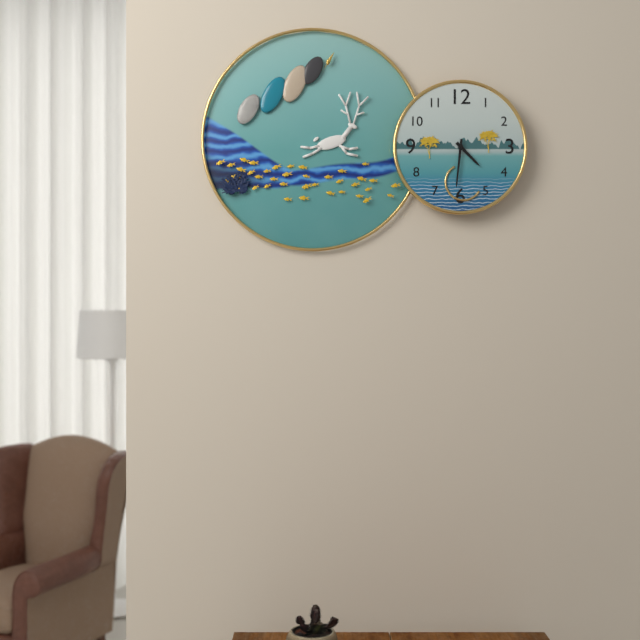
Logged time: **4:31**
